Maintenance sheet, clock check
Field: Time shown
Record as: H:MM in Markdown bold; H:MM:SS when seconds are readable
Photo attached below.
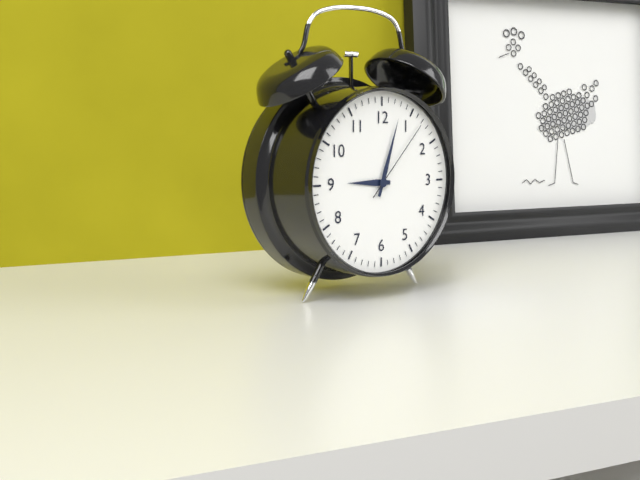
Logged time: **9:03:07**
